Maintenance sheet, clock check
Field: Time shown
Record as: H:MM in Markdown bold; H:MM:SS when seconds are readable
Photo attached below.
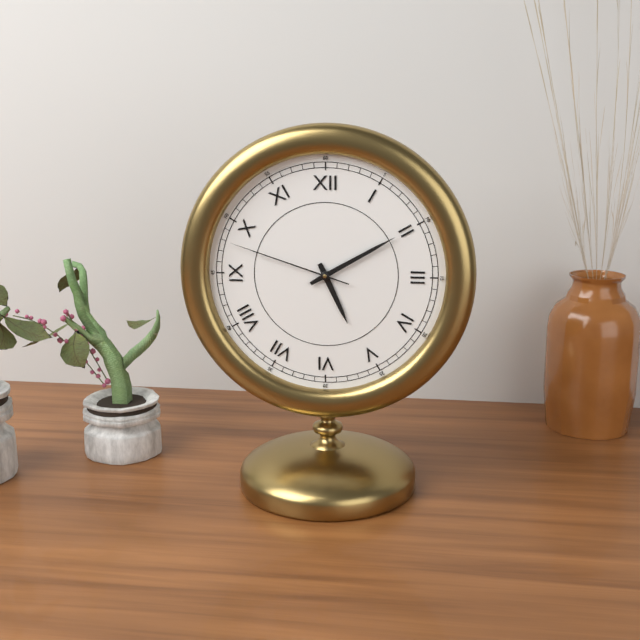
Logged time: **5:10:48**
